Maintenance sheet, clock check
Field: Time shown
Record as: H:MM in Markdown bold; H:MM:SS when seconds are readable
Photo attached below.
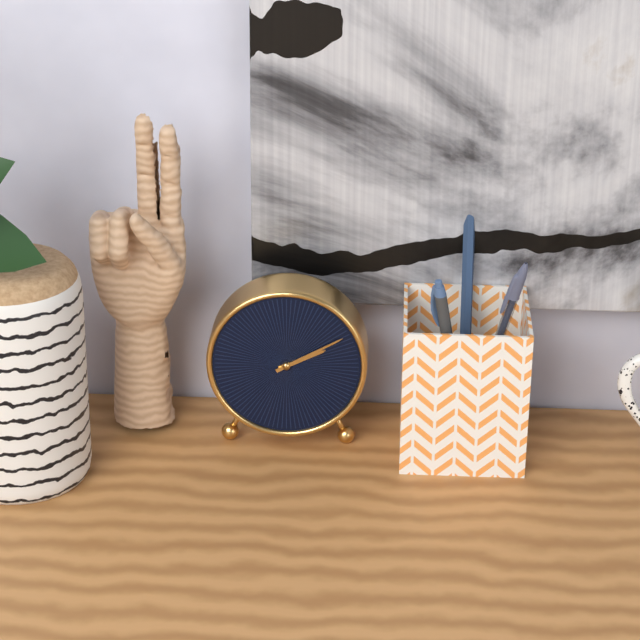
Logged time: **2:10**
